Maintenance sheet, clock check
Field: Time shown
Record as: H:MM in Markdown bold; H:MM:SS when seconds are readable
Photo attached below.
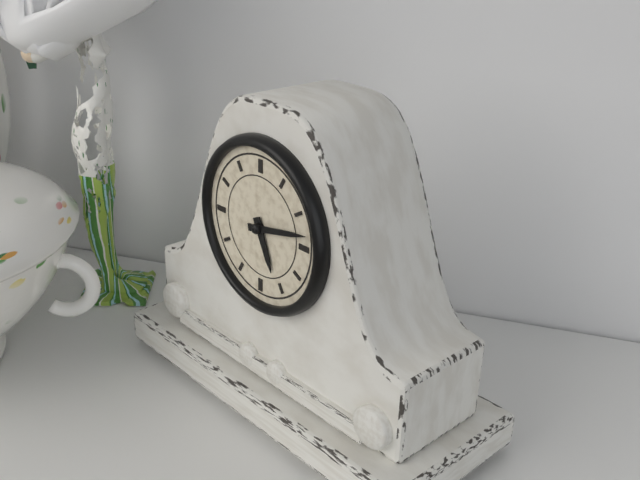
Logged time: **5:13**
